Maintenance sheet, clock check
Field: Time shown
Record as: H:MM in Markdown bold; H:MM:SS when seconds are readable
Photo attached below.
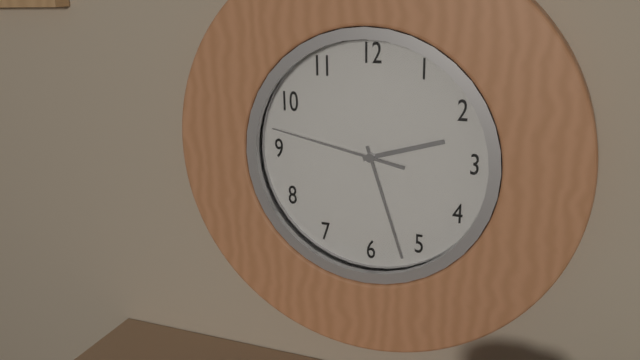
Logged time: **2:27:47**
